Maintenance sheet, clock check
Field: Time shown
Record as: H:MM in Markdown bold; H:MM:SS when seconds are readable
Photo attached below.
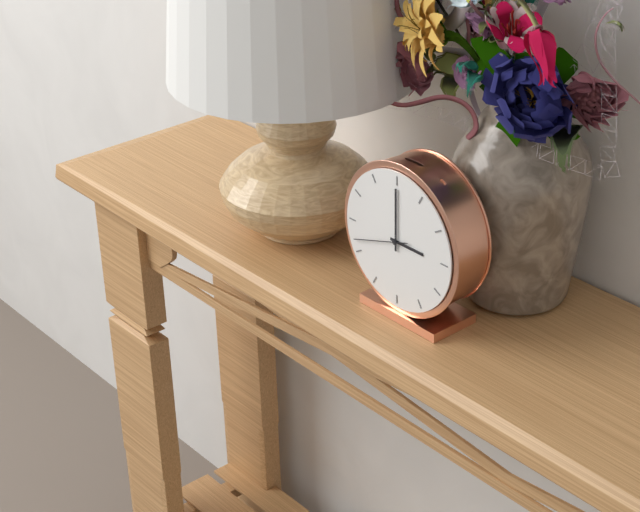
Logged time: **3:00:42**
